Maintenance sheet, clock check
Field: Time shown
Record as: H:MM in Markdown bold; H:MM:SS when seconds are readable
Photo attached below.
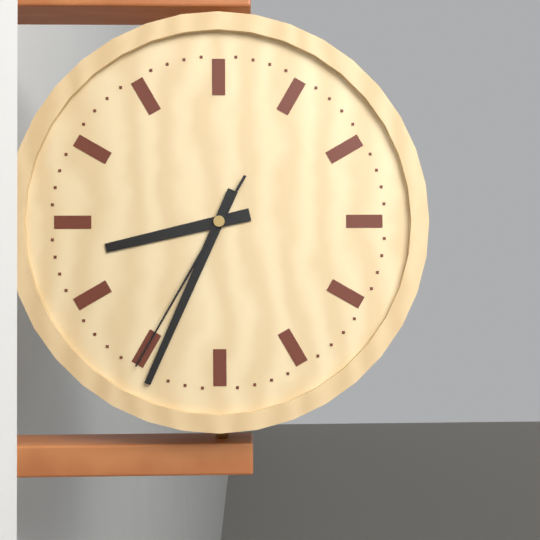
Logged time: **8:34:35**
